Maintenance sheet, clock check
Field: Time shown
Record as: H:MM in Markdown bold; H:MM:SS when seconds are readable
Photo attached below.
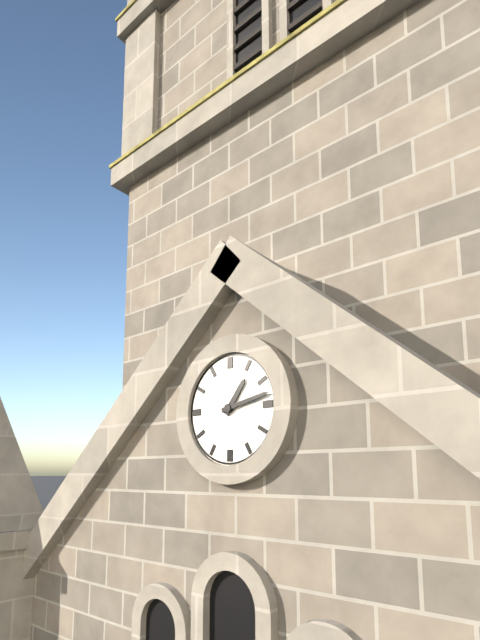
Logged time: **1:13**
